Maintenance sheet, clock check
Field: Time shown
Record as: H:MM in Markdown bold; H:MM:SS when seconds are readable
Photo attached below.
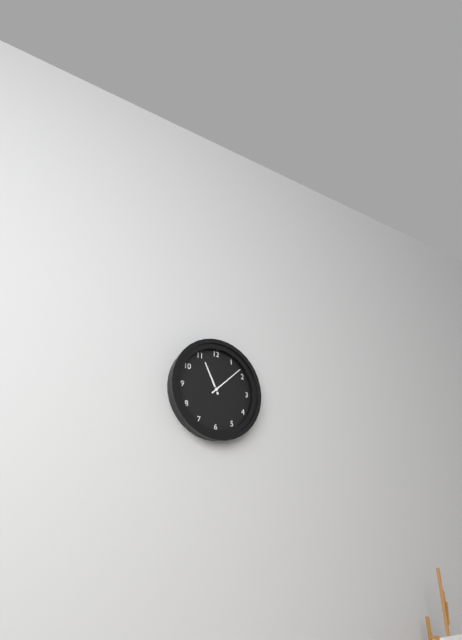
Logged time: **11:08**
